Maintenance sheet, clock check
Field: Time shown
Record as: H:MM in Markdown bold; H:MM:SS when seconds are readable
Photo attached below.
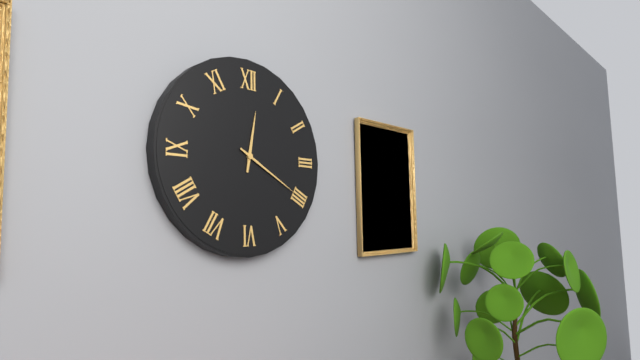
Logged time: **12:20**
